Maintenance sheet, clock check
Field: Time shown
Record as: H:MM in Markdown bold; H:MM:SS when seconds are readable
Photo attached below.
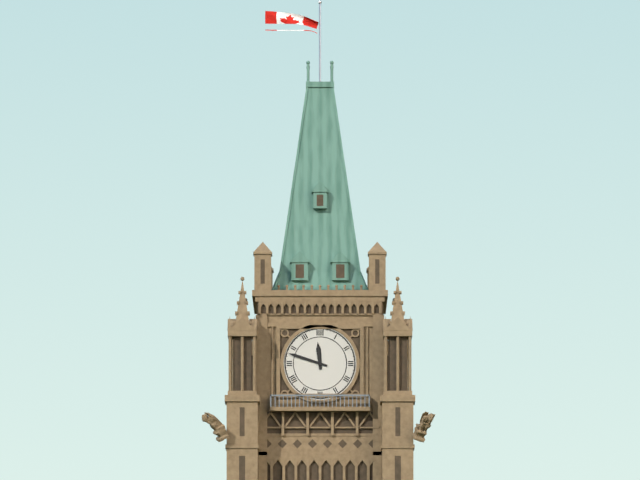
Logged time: **11:48**
